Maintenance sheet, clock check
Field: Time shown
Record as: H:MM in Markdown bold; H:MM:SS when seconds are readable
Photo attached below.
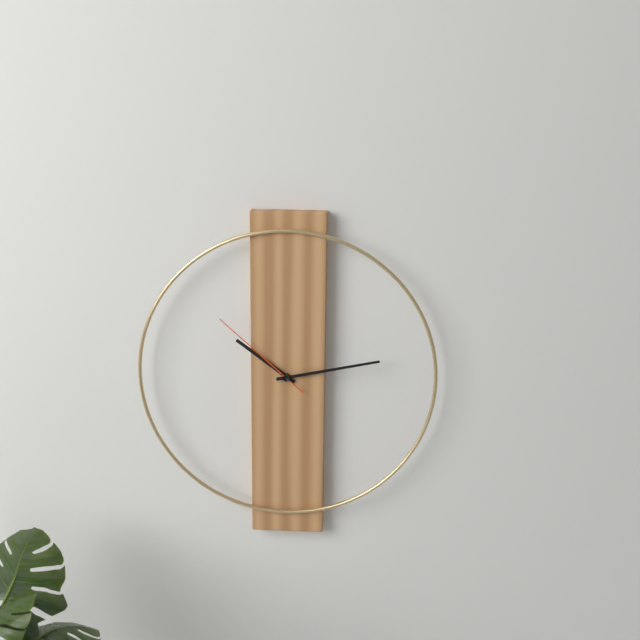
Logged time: **10:13:52**
